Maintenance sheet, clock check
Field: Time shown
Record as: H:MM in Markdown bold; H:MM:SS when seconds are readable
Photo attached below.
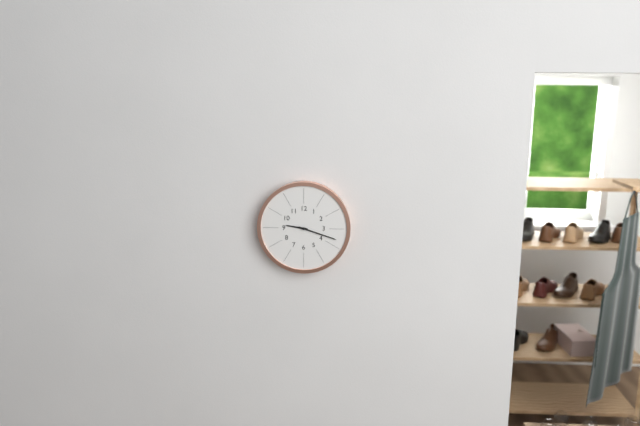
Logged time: **9:18**
